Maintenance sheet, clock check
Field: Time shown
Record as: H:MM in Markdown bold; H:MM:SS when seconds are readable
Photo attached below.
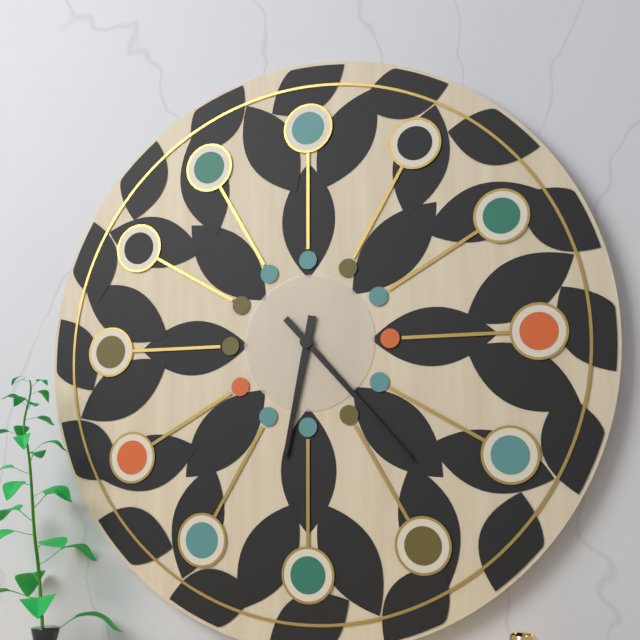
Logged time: **6:23**
